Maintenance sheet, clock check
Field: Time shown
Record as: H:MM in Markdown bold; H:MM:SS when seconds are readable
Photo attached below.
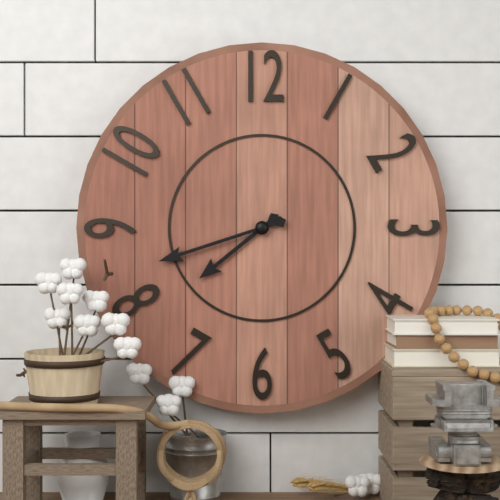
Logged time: **7:42**
